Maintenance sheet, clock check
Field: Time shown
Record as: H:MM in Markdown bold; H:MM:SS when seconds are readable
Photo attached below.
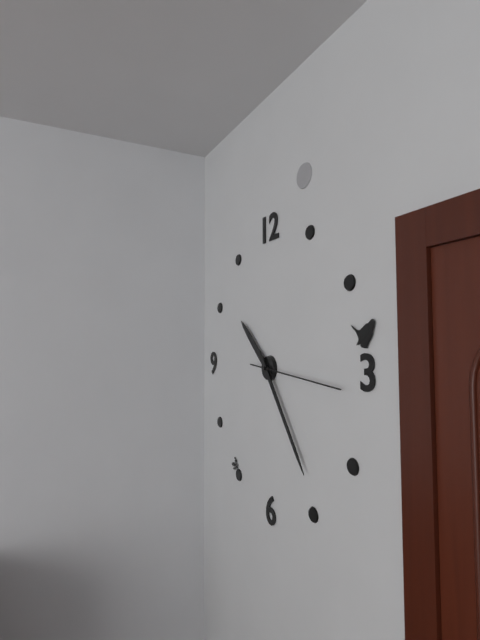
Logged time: **10:24:16**
